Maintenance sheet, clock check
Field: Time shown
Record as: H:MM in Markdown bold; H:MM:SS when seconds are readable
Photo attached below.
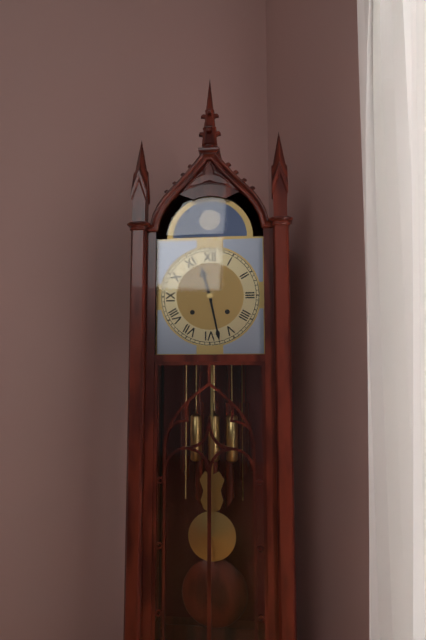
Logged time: **11:28**
